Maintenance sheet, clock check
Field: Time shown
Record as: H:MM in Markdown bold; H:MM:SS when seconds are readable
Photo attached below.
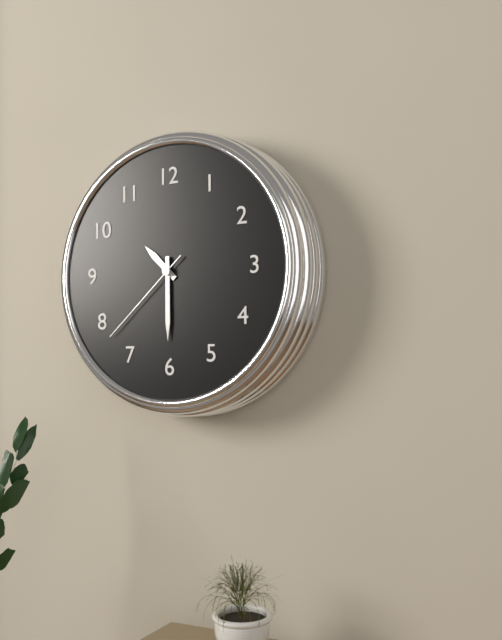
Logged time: **10:30:38**
